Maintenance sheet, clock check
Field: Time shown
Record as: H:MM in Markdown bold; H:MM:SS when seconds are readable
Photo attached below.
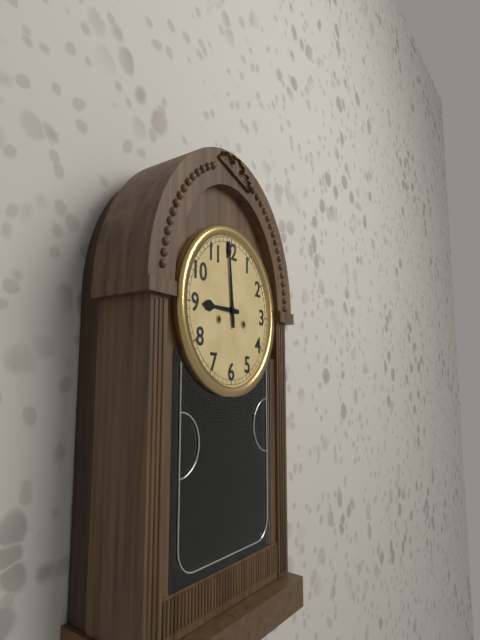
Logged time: **8:59**
